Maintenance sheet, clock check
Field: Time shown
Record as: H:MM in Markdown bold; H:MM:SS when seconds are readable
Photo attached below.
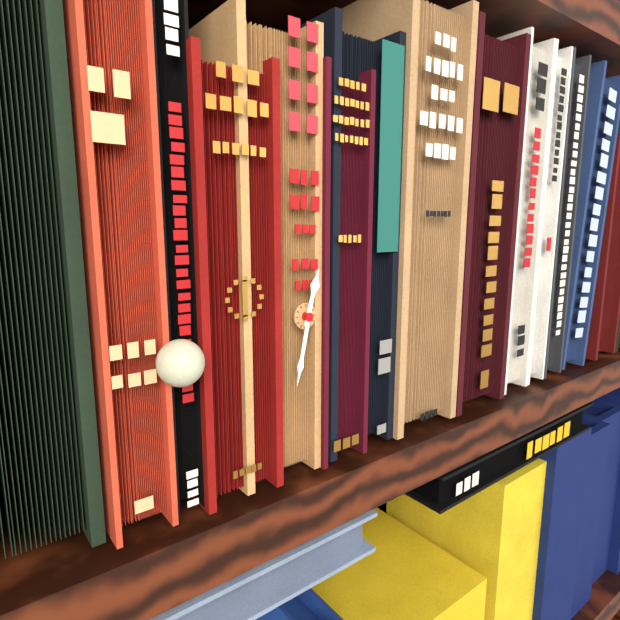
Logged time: **12:32**
